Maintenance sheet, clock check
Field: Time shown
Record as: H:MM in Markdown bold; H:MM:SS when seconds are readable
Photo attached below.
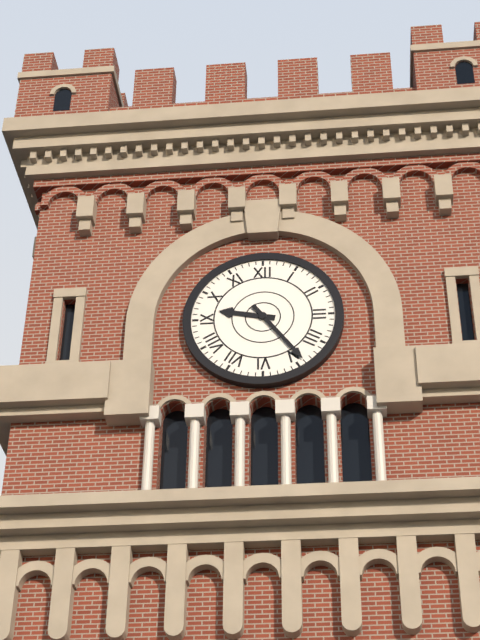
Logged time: **9:24**
